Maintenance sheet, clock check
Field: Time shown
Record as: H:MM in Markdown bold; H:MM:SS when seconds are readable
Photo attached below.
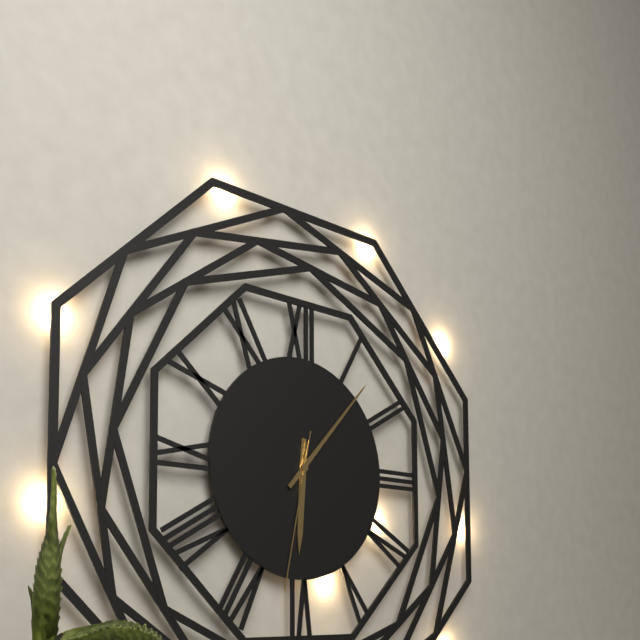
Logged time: **6:07:32**
